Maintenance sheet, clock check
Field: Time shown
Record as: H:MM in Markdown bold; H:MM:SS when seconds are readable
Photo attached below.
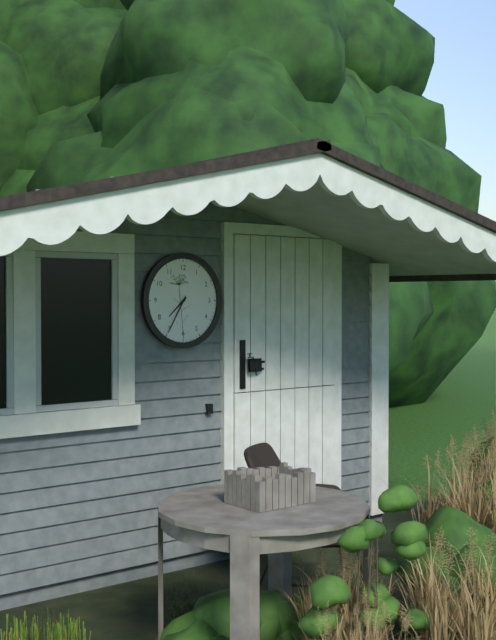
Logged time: **7:35**
